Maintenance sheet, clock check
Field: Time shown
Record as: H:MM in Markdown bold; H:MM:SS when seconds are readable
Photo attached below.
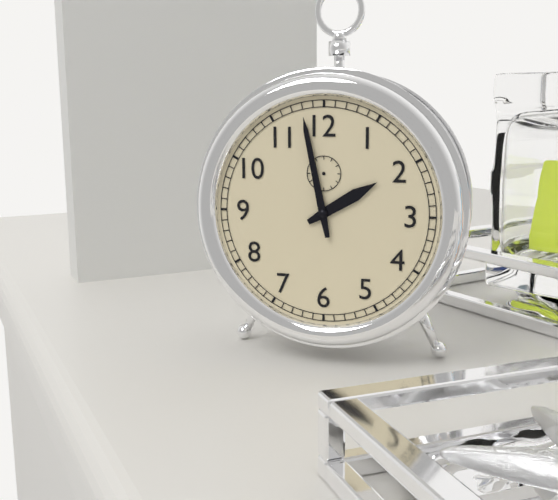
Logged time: **1:58**
